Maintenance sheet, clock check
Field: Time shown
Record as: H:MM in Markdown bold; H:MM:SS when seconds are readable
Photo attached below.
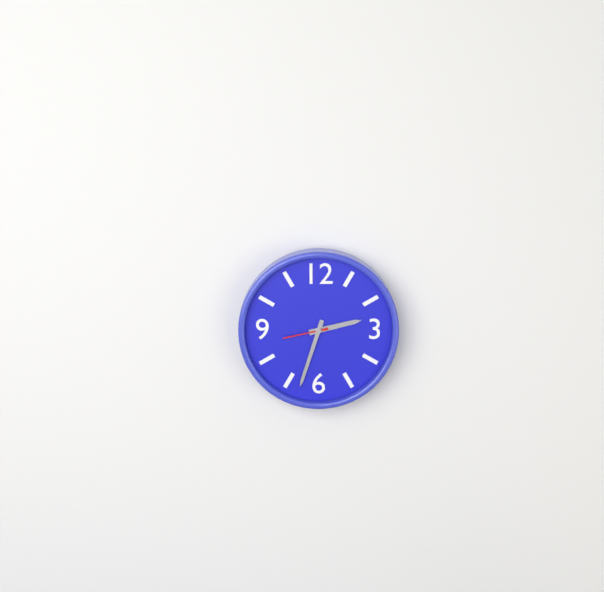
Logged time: **2:33**
